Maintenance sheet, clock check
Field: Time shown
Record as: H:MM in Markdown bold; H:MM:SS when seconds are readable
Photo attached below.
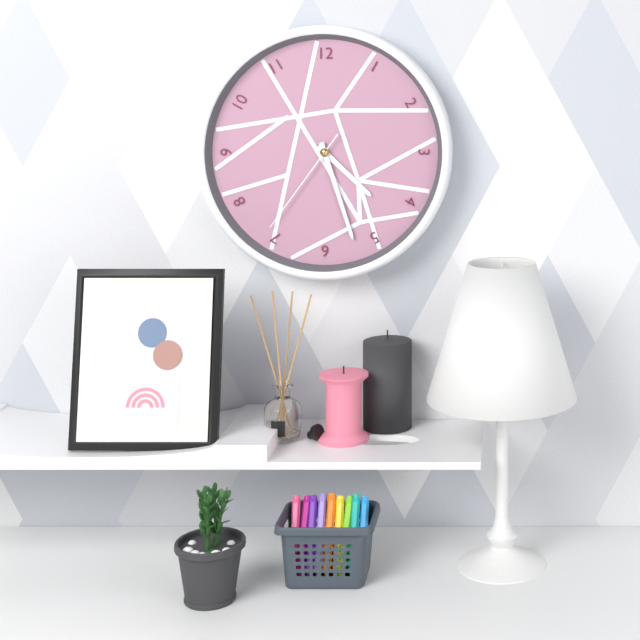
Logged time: **4:27:36**
